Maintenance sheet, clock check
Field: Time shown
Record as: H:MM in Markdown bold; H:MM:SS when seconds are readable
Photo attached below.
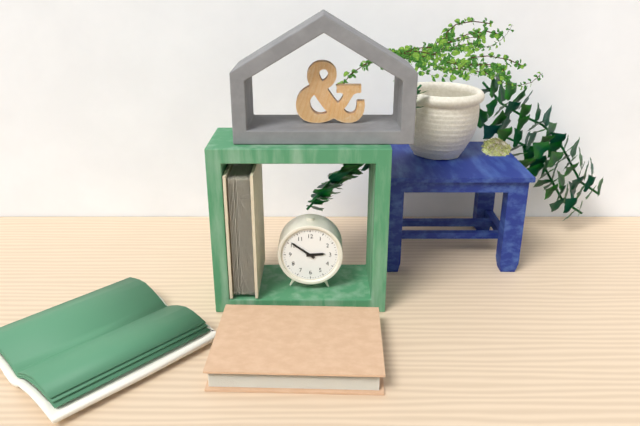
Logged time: **2:51**
